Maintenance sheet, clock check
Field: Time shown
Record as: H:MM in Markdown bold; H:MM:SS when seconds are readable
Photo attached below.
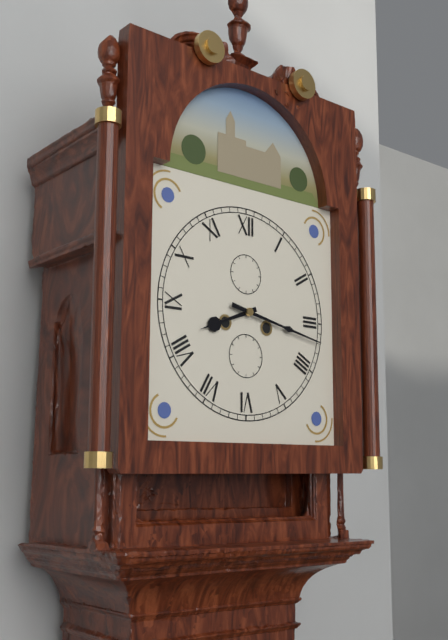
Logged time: **8:17**
